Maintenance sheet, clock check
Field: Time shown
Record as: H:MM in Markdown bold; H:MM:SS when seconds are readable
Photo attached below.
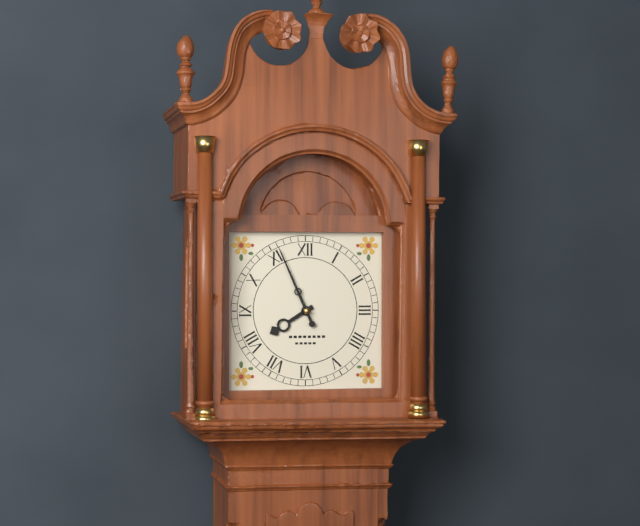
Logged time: **7:56**
